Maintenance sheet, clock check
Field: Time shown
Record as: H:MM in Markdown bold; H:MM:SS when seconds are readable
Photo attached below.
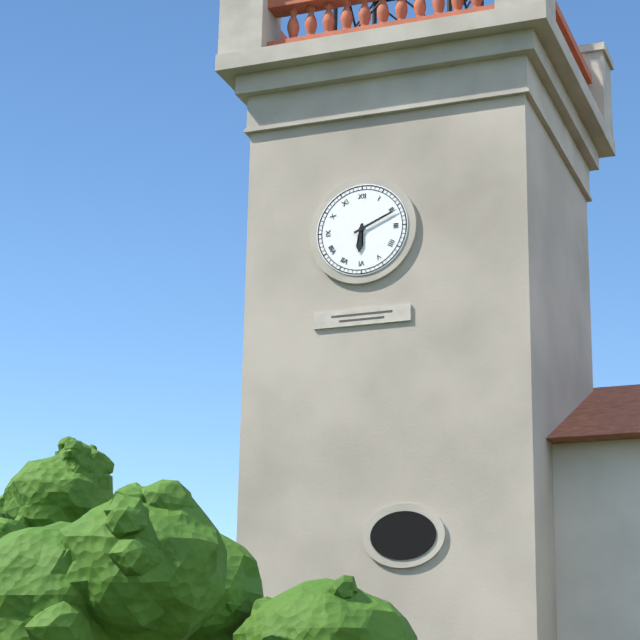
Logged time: **6:11**
